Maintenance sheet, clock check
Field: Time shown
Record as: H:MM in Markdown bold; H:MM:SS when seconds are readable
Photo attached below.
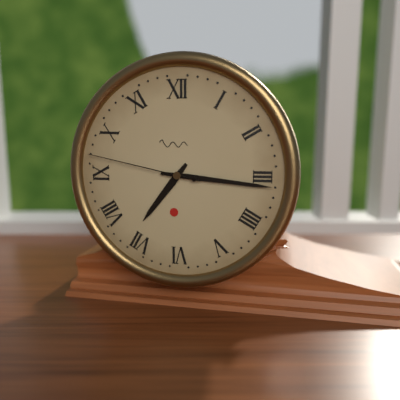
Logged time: **7:16:47**
